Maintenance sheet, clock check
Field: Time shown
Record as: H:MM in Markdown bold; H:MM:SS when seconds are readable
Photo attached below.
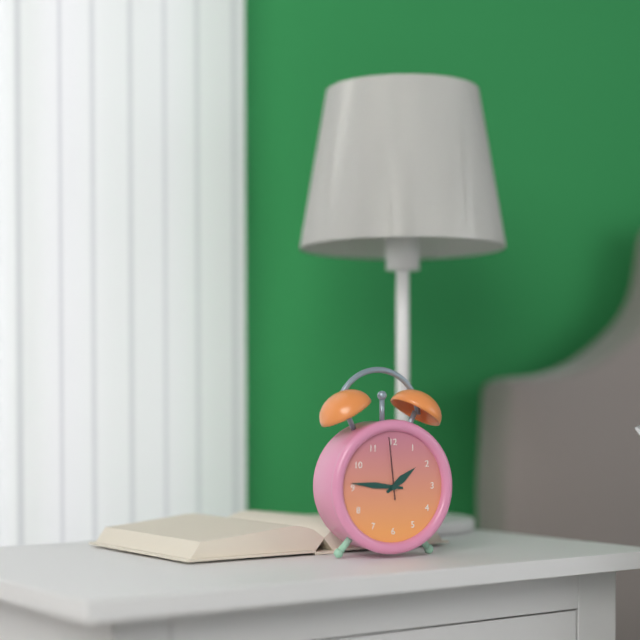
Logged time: **1:46:59**
